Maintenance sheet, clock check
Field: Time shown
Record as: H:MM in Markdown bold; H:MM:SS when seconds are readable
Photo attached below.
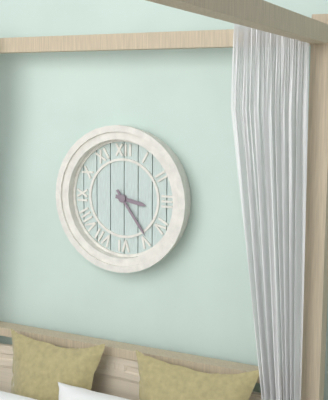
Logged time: **3:24**
